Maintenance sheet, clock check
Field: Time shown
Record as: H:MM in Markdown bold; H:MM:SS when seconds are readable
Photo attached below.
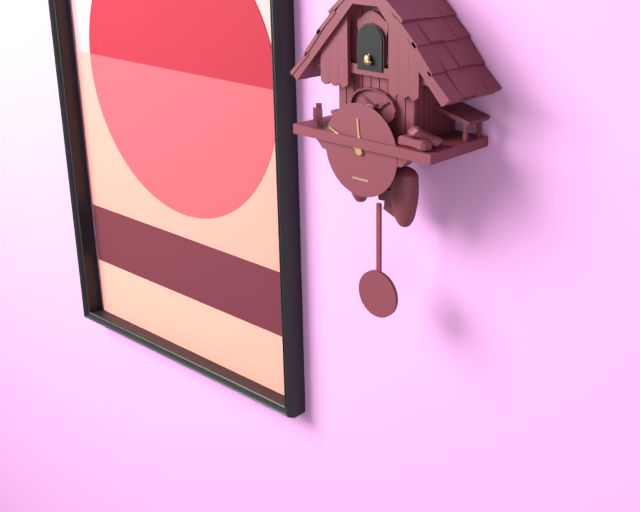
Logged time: **11:49**
